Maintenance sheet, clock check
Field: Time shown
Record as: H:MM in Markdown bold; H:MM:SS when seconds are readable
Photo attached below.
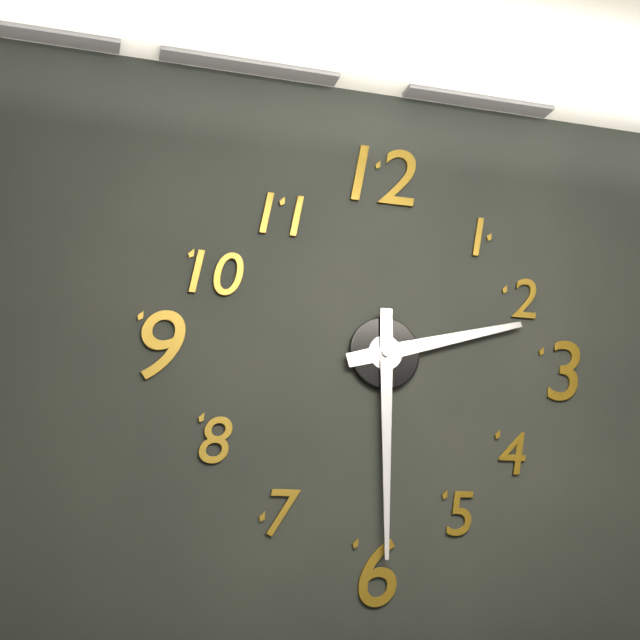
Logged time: **2:30**
